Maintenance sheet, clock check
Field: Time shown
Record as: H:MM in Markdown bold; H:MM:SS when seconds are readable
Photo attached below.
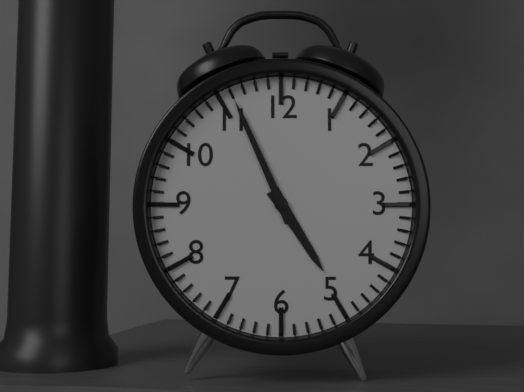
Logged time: **4:56**
